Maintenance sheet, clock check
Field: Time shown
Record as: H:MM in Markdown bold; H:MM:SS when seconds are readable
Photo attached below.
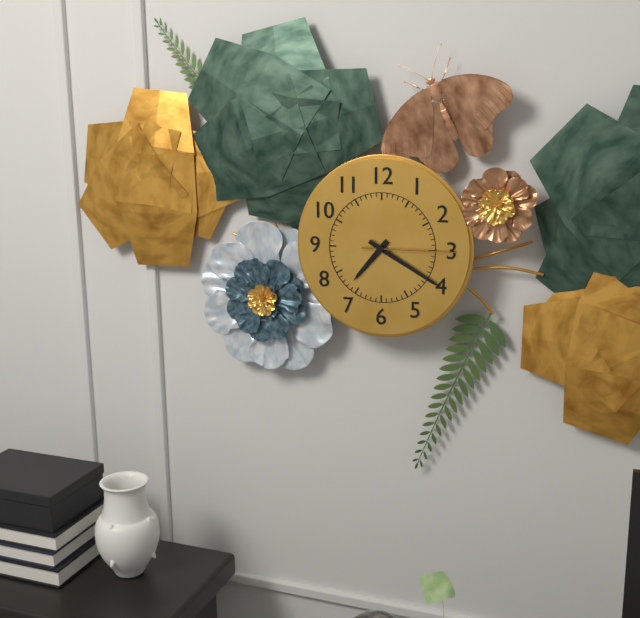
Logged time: **7:20:15**
